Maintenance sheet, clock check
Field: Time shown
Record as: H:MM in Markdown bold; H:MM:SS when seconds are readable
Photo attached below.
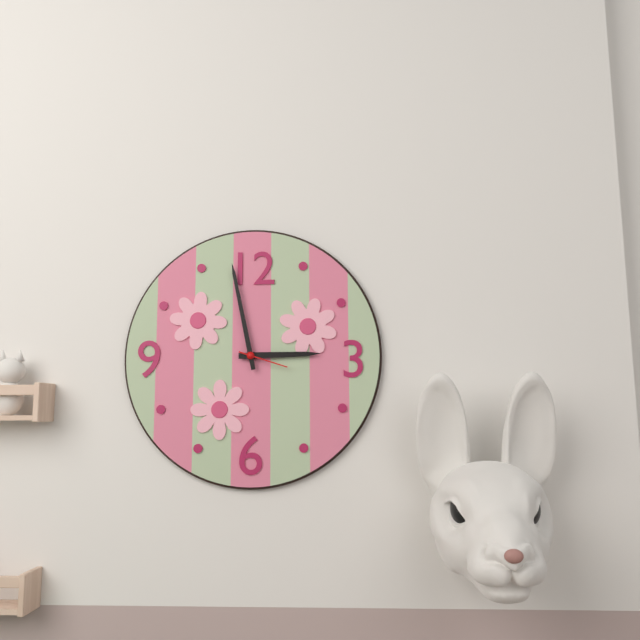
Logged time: **2:58**
